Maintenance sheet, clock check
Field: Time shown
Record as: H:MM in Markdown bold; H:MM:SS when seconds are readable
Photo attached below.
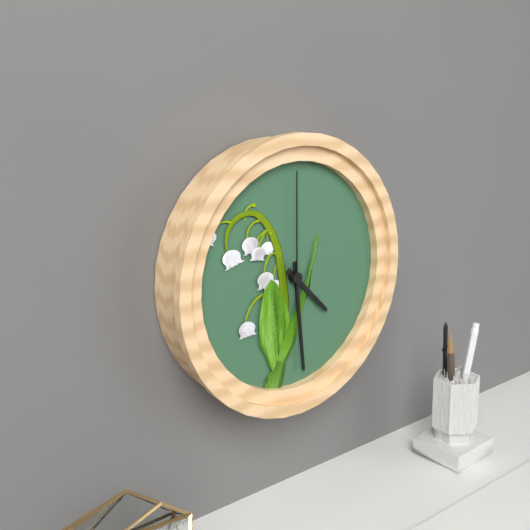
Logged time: **4:29:00**
